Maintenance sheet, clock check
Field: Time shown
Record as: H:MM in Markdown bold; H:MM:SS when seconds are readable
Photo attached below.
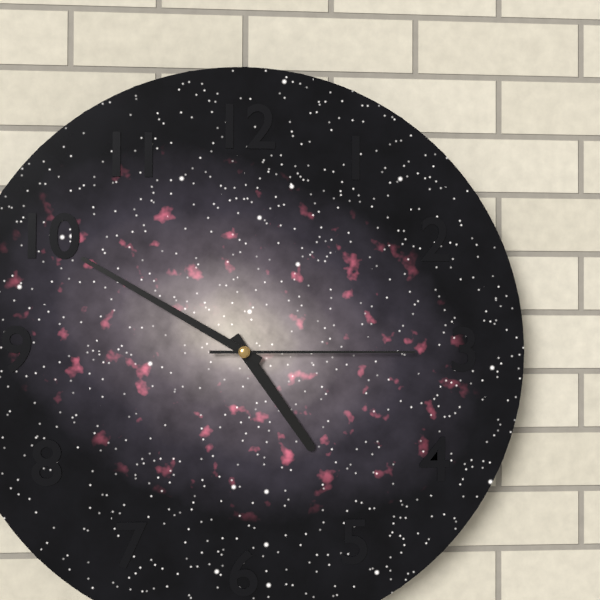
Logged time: **4:50:15**
